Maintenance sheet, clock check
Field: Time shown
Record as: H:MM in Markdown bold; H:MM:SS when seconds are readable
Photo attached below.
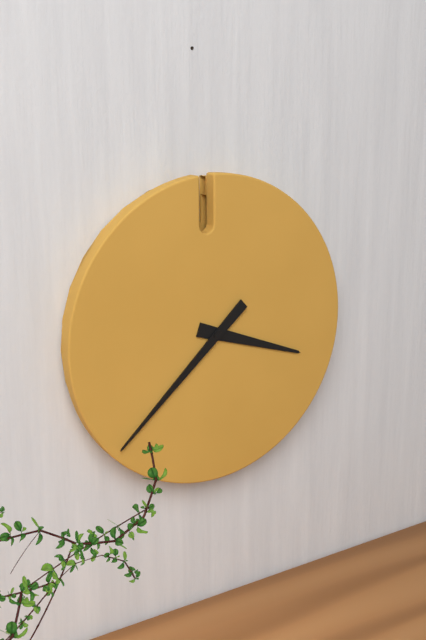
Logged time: **3:38**
